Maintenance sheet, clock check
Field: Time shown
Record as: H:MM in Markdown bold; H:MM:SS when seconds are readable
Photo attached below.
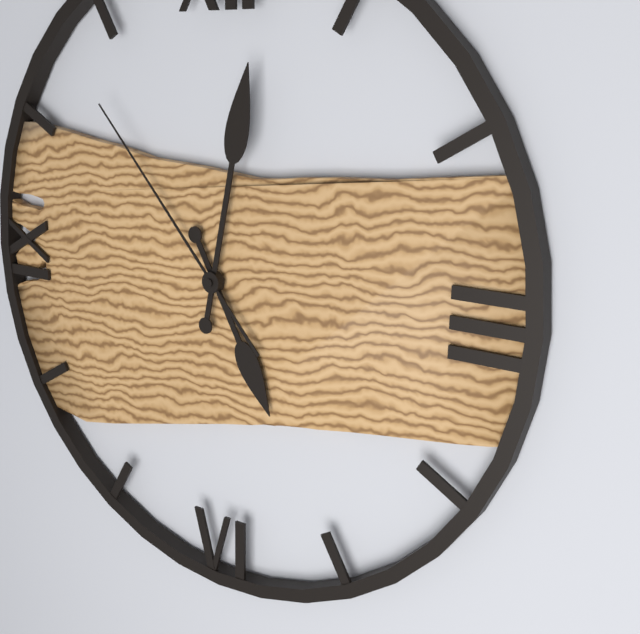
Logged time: **5:02:53**
